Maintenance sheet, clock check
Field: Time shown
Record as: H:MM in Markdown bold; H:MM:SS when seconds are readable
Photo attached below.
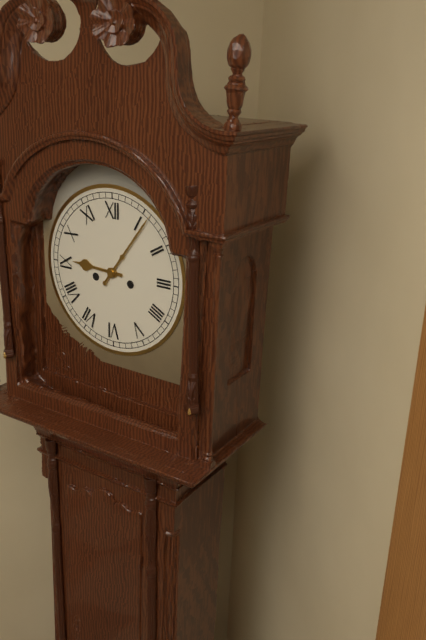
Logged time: **9:06**
